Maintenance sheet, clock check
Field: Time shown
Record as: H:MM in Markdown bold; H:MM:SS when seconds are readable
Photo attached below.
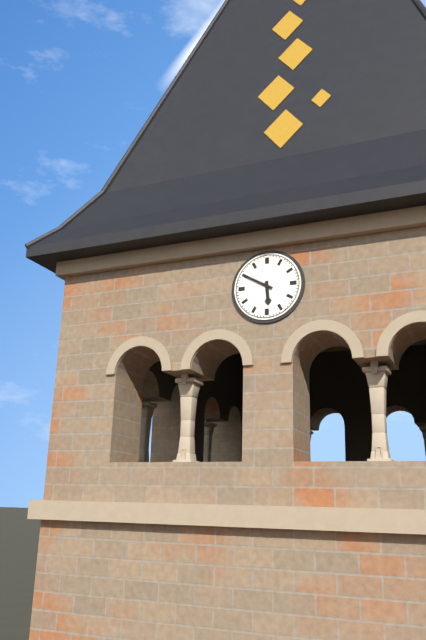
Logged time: **5:50**
